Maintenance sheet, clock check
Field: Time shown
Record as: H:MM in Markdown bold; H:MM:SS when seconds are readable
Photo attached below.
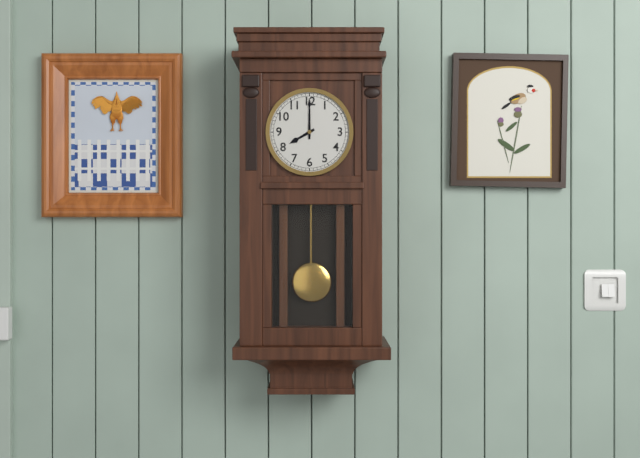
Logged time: **8:00**
